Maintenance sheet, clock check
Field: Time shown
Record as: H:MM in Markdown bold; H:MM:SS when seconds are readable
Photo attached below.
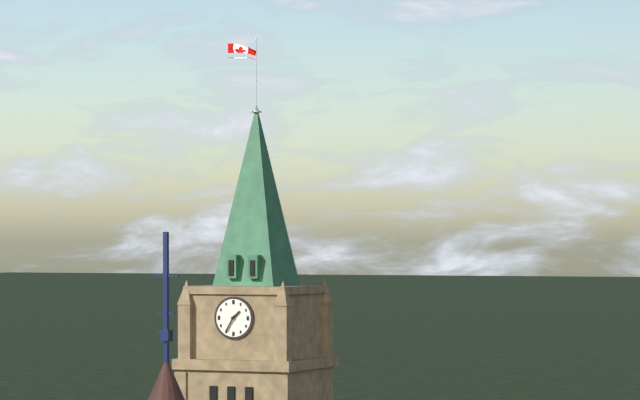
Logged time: **1:35**
